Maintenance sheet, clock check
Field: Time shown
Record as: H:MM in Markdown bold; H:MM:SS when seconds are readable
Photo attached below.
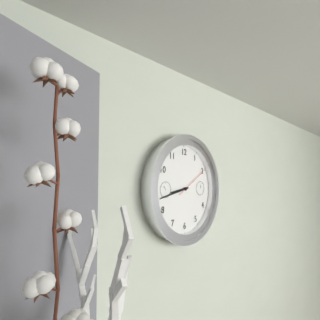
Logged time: **8:43**
